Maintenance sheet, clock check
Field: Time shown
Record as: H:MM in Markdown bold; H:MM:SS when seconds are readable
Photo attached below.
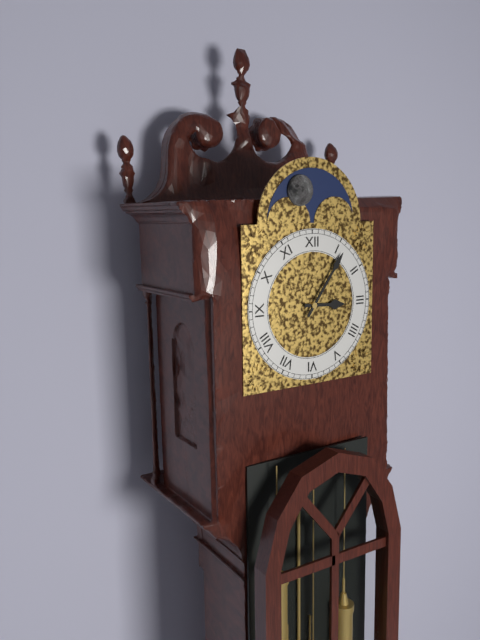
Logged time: **3:06**
